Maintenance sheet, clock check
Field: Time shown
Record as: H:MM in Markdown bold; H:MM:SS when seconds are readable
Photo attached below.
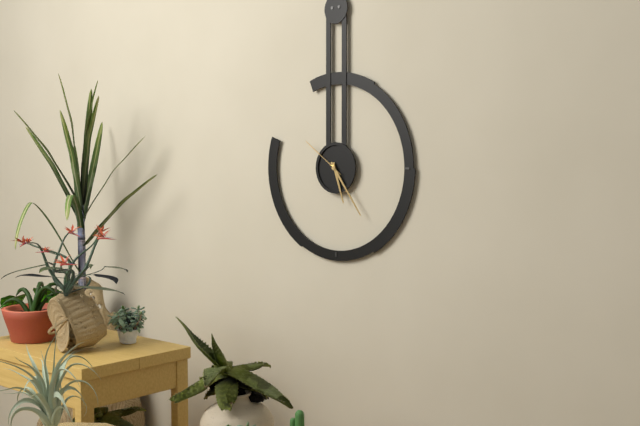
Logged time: **5:24**
